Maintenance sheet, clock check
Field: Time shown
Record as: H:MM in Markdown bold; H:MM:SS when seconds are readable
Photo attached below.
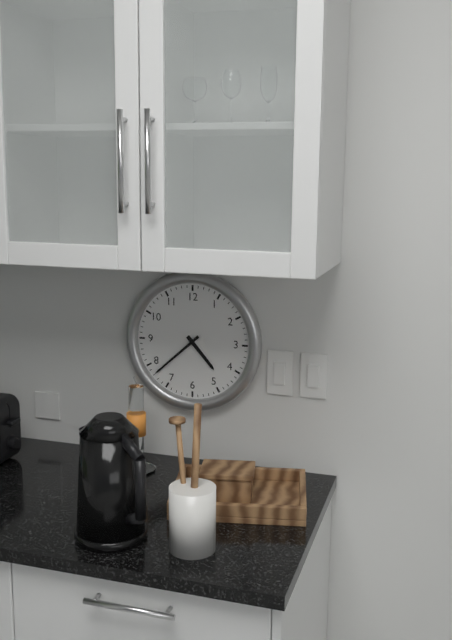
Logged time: **4:38**
